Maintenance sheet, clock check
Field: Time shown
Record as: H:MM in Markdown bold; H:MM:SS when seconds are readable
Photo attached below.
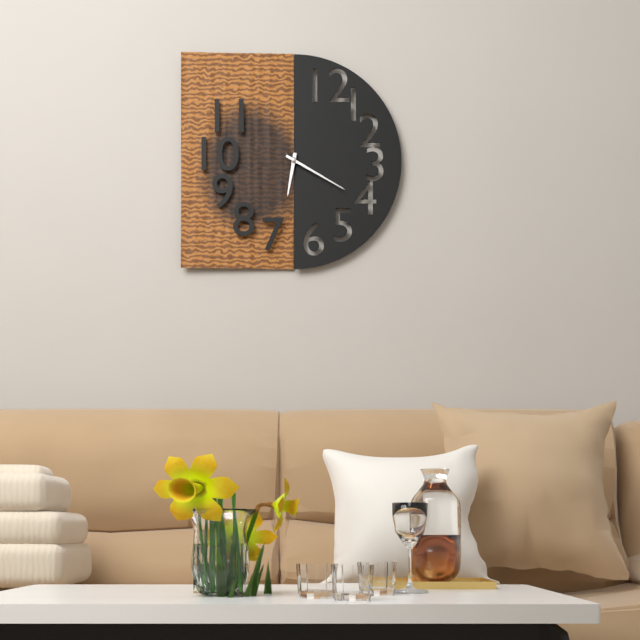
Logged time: **6:20**
